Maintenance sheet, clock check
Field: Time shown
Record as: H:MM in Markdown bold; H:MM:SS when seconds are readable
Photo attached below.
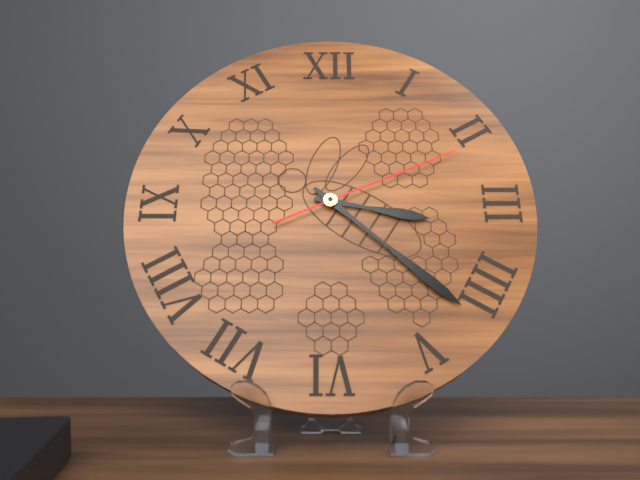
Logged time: **3:22:11**
